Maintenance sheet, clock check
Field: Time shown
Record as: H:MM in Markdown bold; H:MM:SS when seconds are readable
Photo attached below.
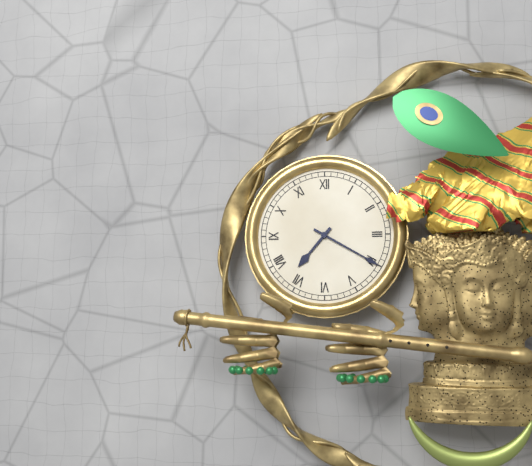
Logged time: **7:20**
